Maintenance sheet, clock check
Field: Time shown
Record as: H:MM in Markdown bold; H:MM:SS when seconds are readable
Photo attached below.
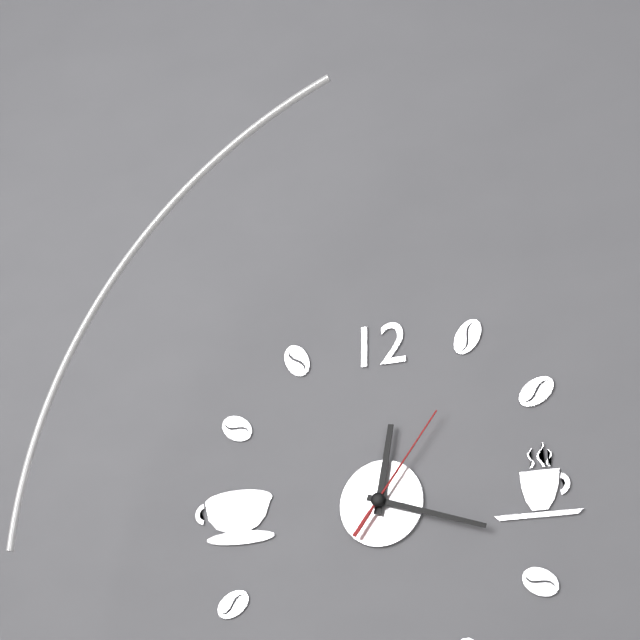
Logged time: **12:18:06**
